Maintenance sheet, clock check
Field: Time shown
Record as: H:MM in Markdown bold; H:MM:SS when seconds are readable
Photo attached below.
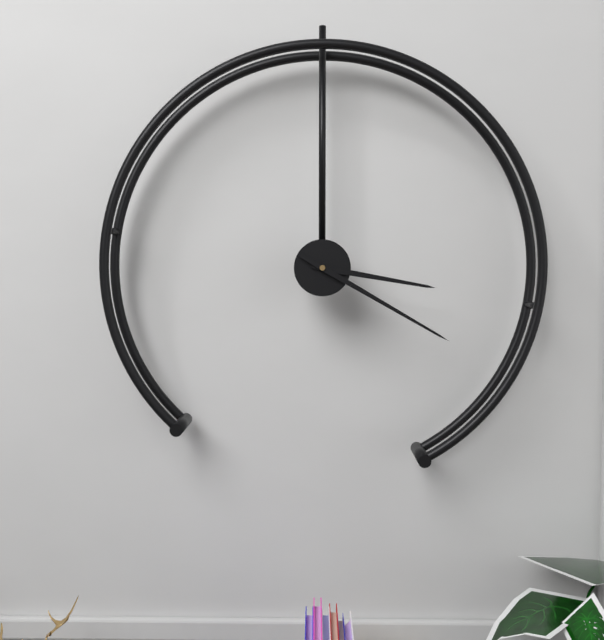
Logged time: **3:20**
